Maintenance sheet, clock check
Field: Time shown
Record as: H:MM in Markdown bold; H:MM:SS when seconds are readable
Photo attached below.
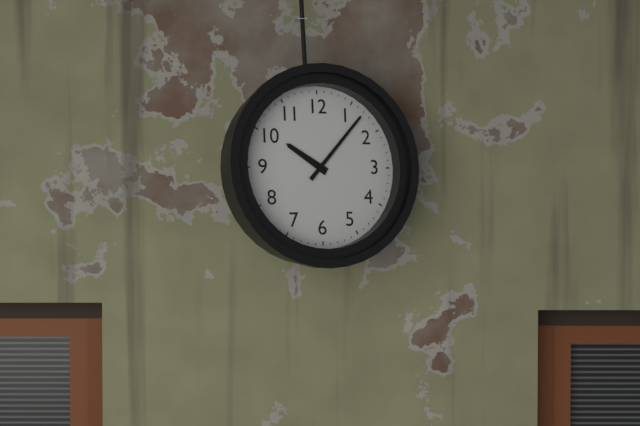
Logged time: **10:07**
